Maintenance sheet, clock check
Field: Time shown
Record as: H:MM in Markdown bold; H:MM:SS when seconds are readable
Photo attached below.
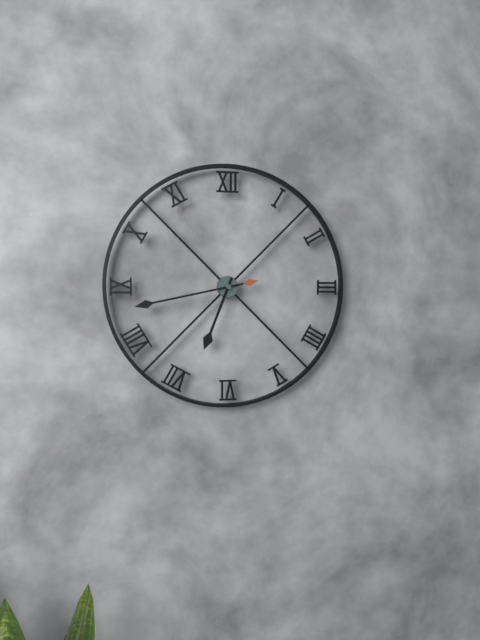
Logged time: **6:43**
